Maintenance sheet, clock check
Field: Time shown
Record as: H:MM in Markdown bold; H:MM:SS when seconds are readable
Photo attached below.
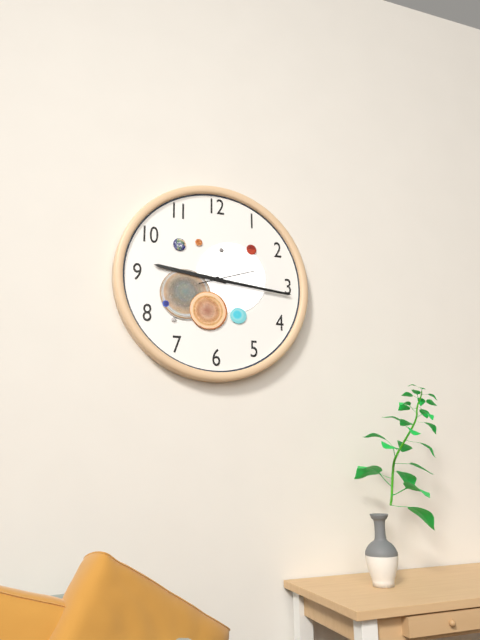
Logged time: **9:16**
